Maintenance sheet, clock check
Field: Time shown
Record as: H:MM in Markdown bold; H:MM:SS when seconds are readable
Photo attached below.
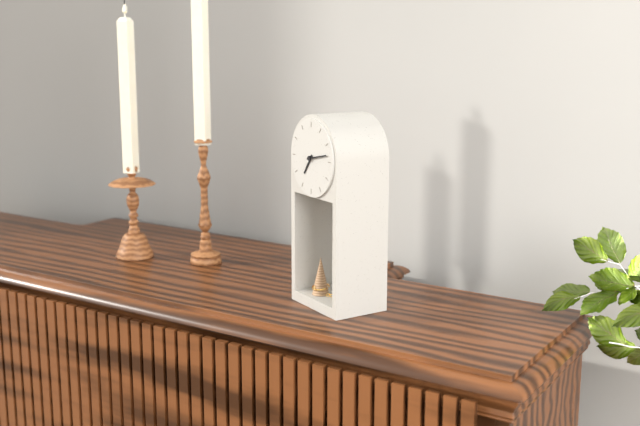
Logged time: **7:13**
